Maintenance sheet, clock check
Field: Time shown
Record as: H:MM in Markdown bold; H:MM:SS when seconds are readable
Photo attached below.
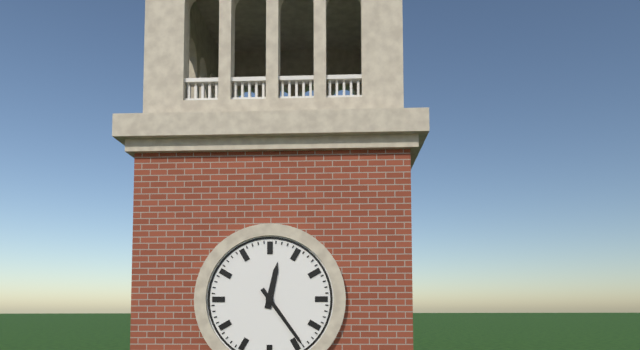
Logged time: **12:24**
